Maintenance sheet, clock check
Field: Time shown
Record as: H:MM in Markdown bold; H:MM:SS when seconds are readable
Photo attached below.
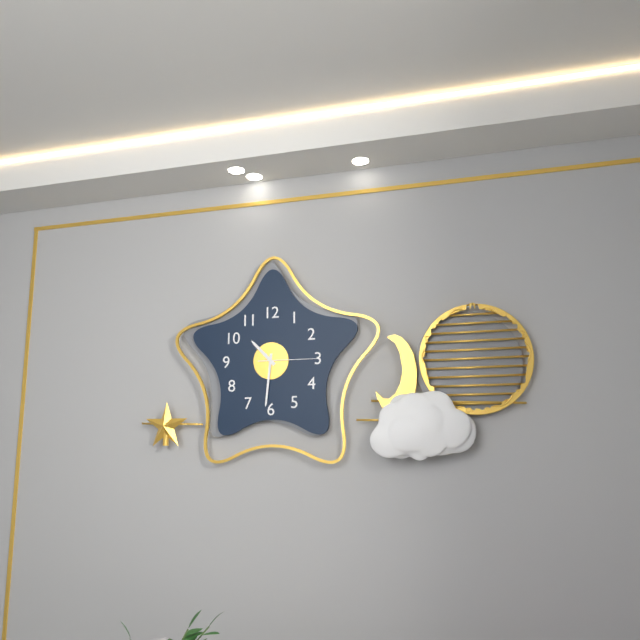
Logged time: **10:31:15**
